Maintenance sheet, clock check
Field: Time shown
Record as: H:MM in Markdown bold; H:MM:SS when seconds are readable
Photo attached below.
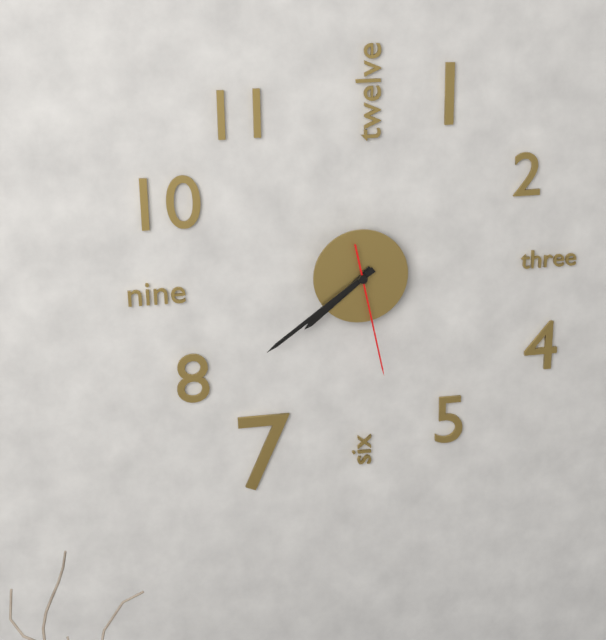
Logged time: **7:39:28**
